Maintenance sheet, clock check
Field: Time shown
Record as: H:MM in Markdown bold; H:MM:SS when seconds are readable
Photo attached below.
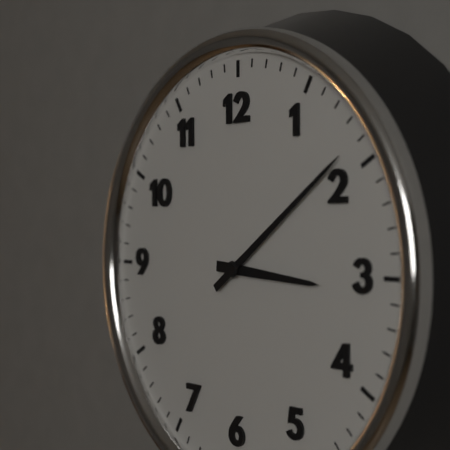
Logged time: **3:09**
